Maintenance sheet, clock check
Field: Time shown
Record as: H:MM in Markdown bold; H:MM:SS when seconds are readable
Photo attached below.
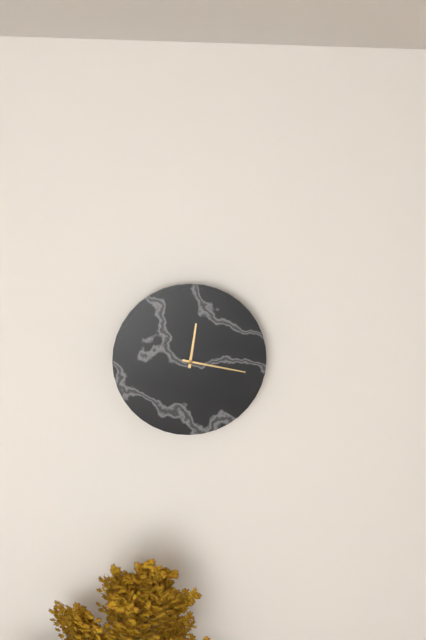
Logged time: **12:17**
